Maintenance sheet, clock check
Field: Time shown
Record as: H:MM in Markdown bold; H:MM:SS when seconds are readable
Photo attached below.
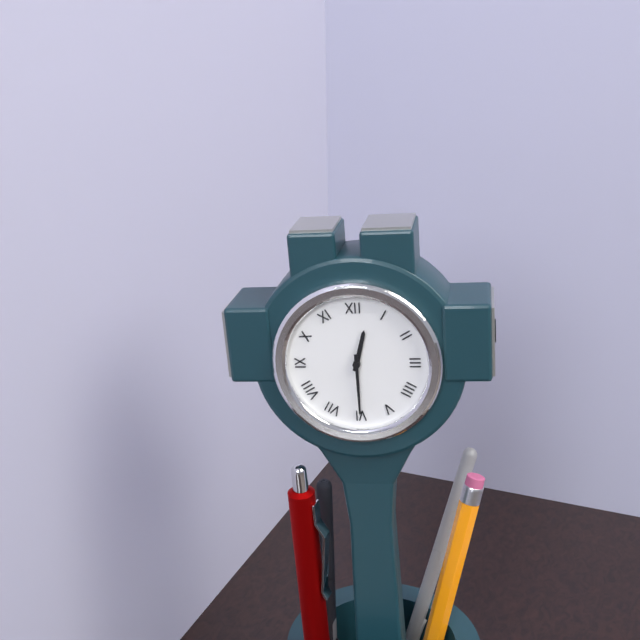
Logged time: **12:30**
